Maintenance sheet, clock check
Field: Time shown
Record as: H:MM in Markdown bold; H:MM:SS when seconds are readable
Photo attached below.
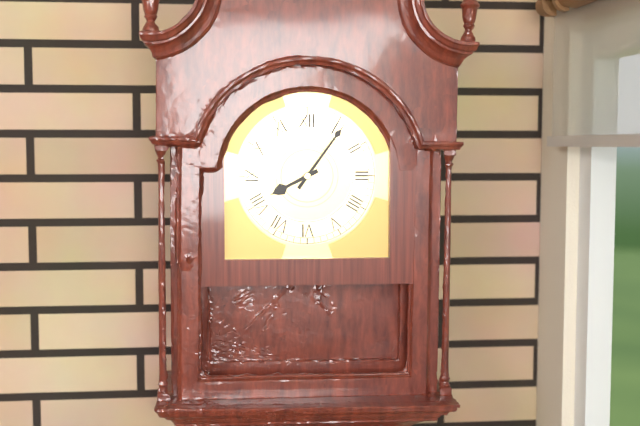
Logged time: **8:06**
